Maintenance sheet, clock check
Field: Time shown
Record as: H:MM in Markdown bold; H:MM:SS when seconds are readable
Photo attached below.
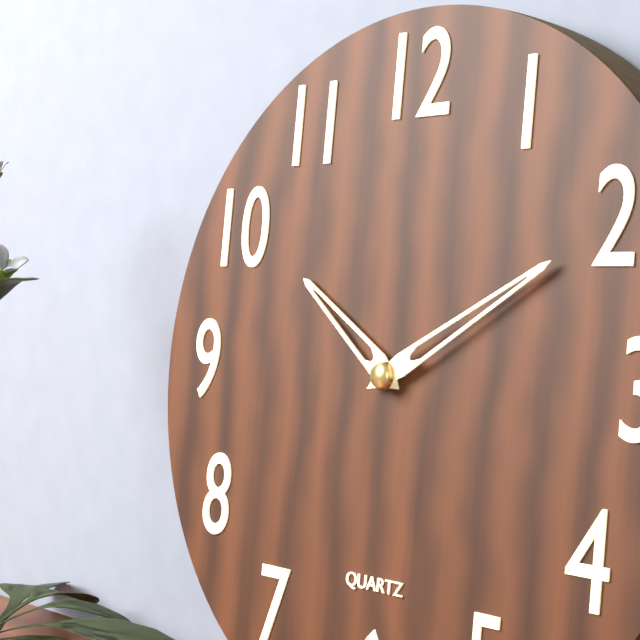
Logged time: **10:10**
